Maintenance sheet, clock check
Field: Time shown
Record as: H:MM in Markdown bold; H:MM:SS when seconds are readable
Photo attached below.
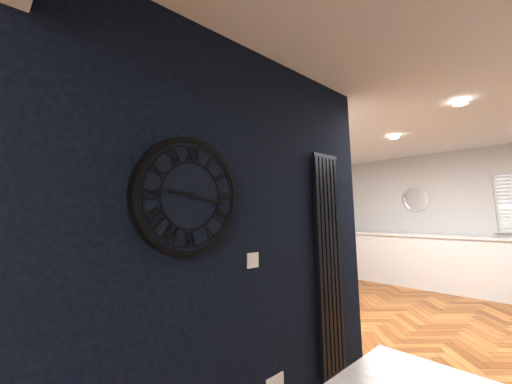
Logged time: **9:17**
